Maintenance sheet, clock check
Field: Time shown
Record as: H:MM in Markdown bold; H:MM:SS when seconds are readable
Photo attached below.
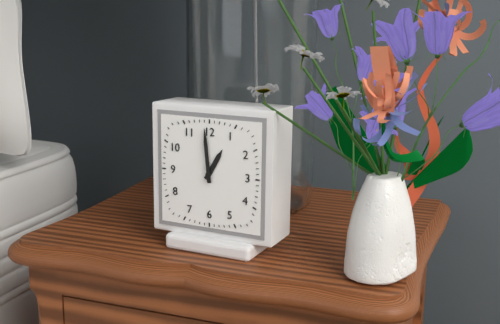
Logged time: **12:59**
